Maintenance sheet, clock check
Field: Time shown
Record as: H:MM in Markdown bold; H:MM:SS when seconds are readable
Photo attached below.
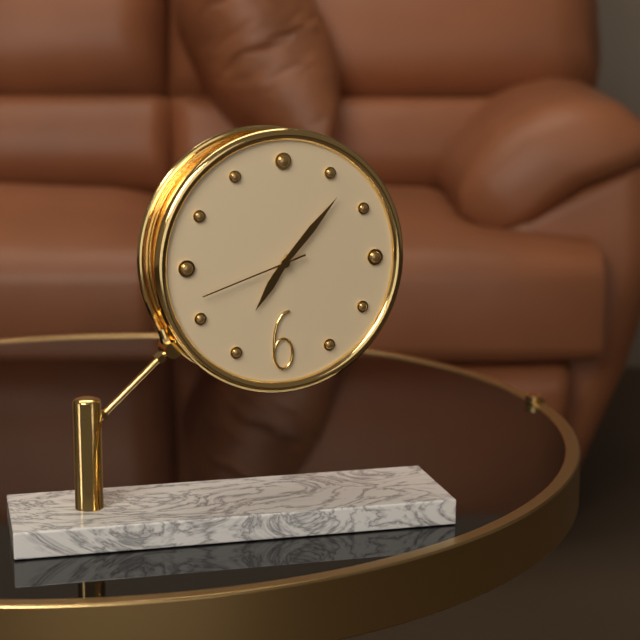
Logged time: **7:07:42**
